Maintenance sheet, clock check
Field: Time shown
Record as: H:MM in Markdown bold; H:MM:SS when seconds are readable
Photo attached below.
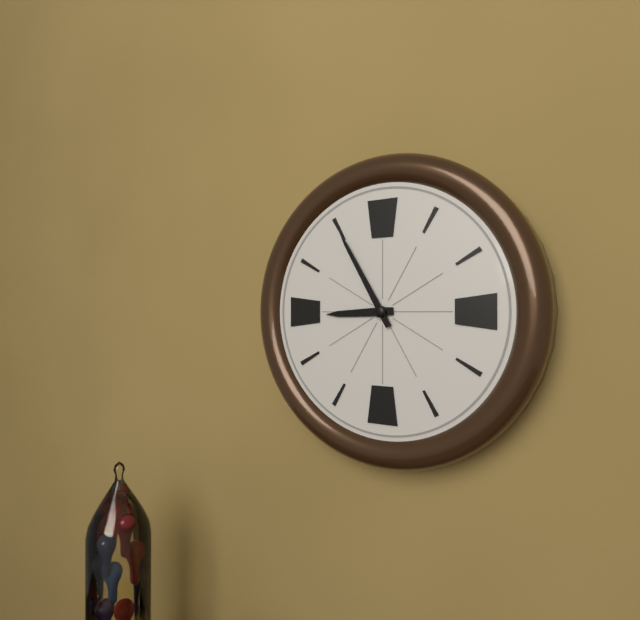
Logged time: **8:55**
